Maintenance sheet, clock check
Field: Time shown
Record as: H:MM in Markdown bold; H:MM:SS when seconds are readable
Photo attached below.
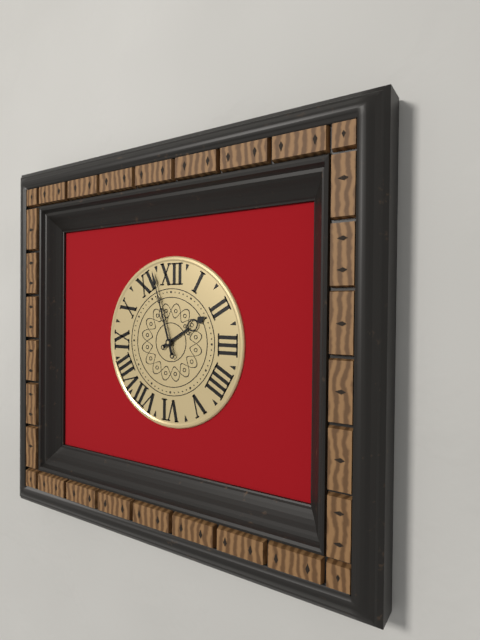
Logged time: **1:57**
